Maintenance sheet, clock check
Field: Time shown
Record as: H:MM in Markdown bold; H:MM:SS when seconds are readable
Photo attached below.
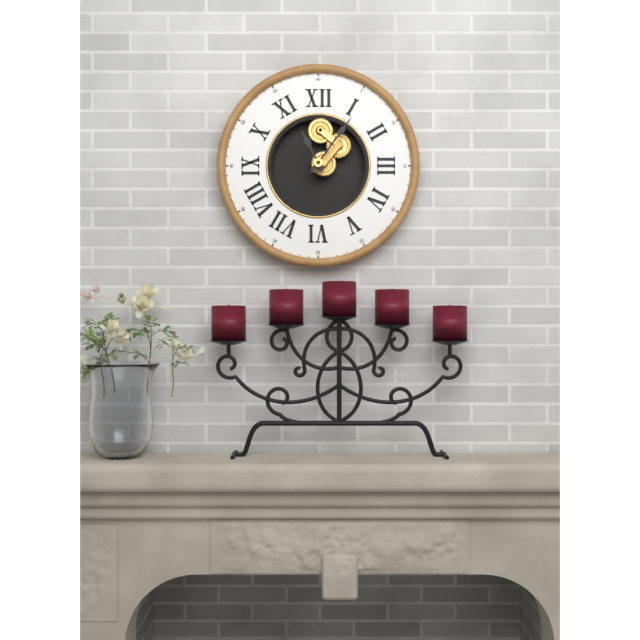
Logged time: **11:06**
